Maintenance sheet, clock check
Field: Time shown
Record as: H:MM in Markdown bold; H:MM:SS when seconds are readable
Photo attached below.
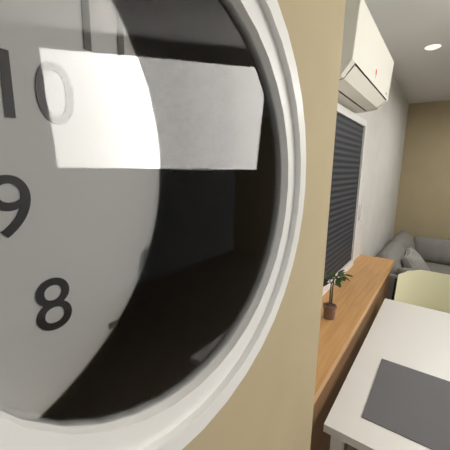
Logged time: **7:08**
